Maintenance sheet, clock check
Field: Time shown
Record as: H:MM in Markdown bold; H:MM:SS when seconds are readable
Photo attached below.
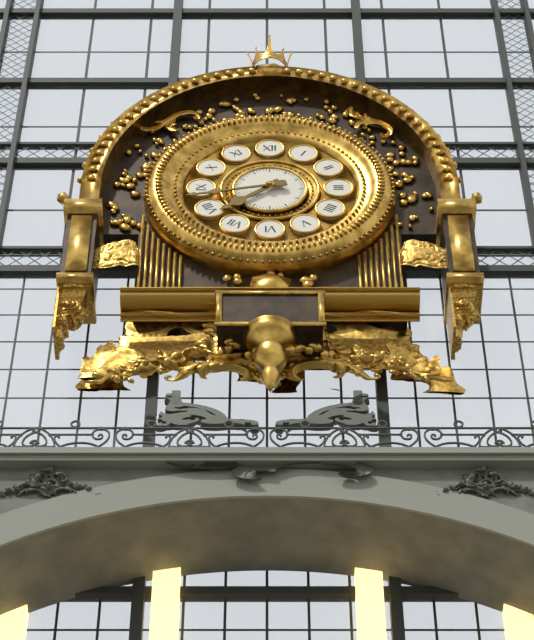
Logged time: **7:43**
